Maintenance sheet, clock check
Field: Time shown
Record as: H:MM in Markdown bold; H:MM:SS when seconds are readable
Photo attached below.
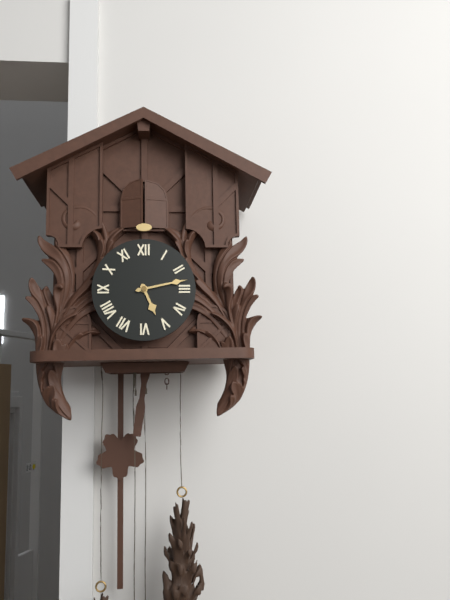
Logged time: **5:13**
